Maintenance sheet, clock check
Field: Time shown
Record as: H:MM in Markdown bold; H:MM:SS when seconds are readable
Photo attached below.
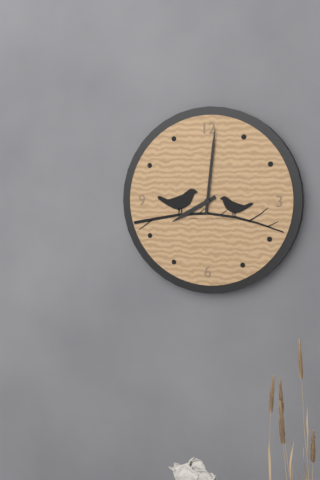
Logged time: **8:01**
